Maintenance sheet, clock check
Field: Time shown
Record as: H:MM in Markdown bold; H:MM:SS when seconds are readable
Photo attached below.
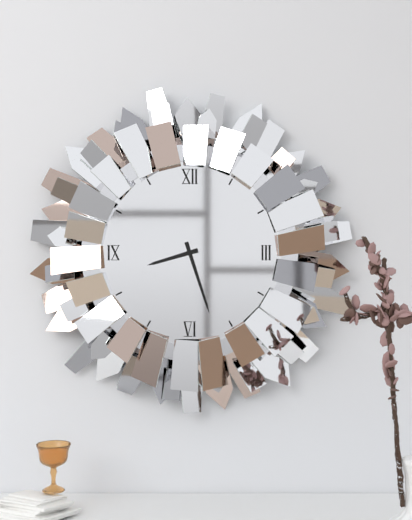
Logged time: **8:27**
